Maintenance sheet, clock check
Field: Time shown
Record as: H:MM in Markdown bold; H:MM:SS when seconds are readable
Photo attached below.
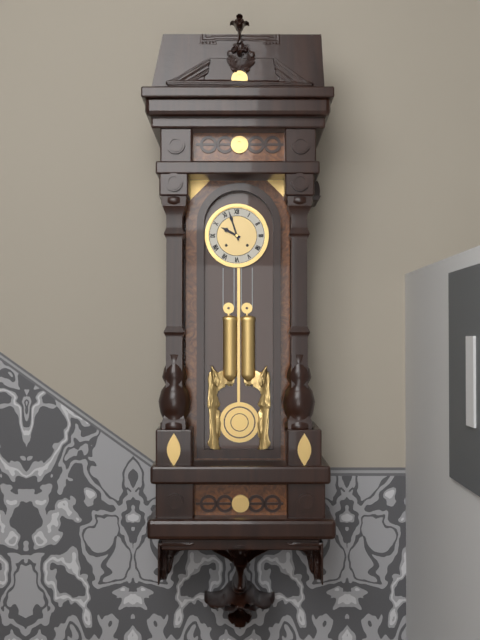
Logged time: **9:57**
